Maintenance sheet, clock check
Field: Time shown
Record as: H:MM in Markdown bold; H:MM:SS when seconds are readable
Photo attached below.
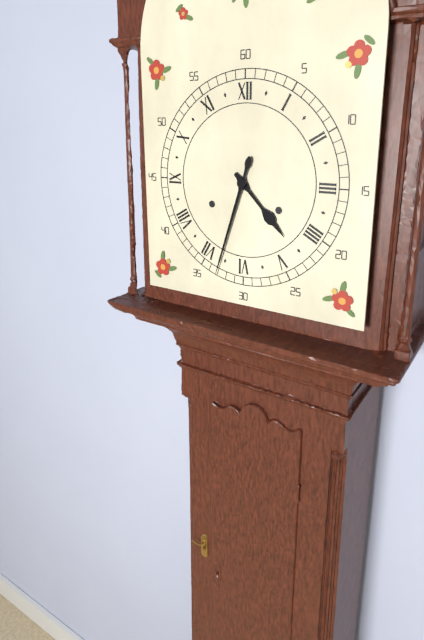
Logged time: **4:33**
